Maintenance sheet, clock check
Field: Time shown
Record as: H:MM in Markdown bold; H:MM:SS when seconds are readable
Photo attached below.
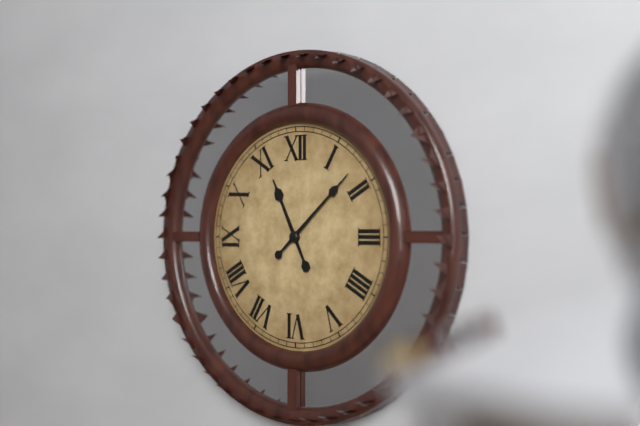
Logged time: **11:08**
